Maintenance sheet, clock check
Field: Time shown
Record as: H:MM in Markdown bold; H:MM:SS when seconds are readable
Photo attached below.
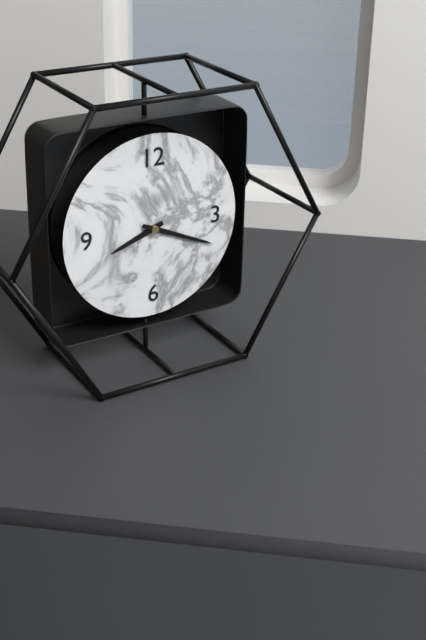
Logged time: **8:19**
